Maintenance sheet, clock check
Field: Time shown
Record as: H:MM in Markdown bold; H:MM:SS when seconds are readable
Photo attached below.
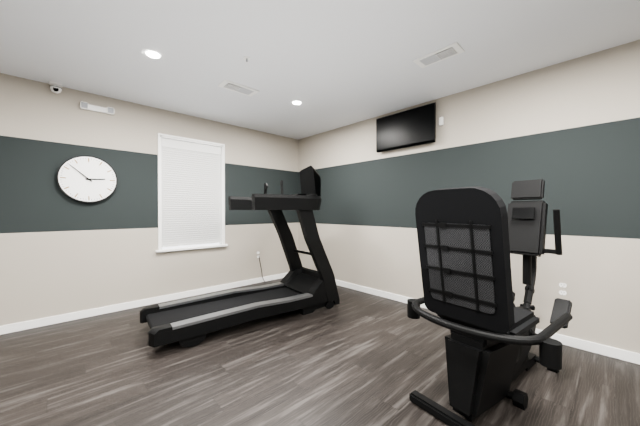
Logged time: **2:52**
